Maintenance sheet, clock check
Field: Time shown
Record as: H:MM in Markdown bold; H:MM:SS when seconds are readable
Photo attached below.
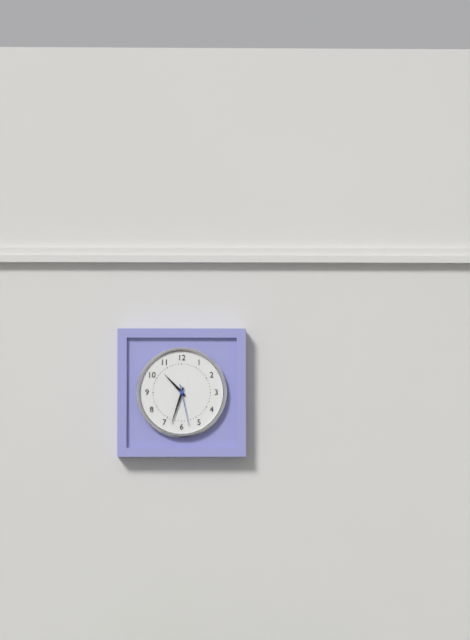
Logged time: **10:33**
